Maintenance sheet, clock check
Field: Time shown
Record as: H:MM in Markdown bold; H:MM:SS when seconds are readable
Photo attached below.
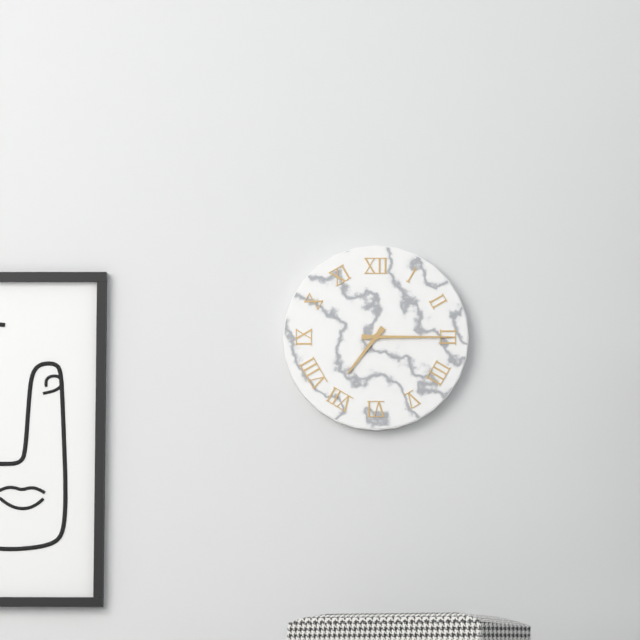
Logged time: **7:15**
